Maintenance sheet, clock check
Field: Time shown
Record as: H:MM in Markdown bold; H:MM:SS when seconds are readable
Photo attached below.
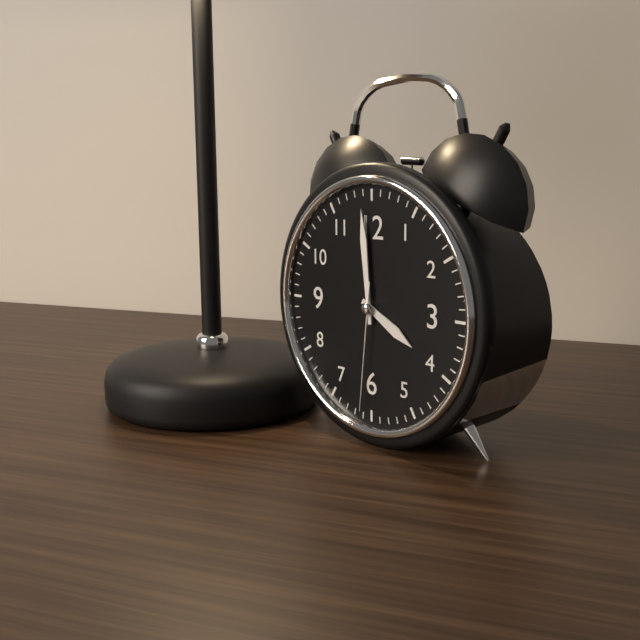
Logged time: **3:59:31**
